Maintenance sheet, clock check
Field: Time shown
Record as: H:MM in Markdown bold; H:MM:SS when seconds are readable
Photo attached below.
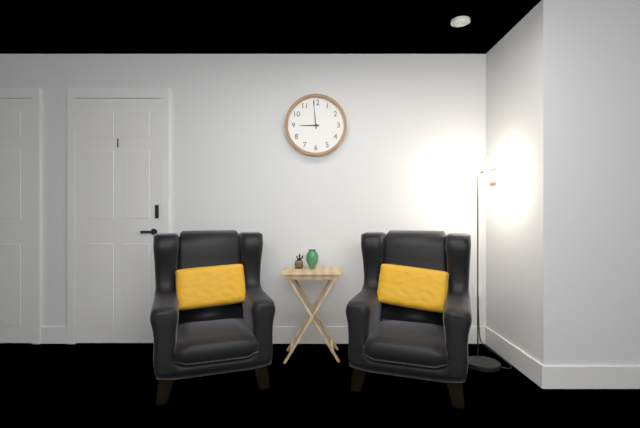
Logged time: **8:59**
